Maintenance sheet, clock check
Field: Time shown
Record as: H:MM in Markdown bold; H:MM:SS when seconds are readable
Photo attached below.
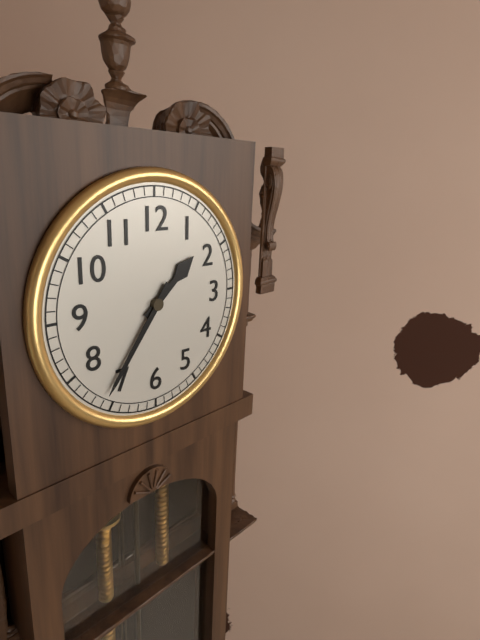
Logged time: **1:36**
